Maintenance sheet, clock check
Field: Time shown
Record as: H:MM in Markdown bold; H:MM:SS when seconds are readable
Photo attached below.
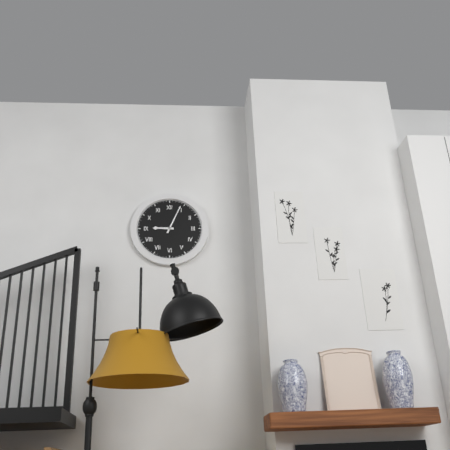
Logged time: **9:04**
